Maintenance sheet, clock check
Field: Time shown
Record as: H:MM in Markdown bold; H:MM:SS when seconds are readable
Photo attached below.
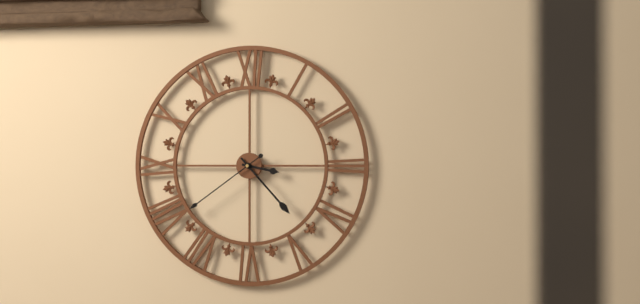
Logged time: **3:23:39**
